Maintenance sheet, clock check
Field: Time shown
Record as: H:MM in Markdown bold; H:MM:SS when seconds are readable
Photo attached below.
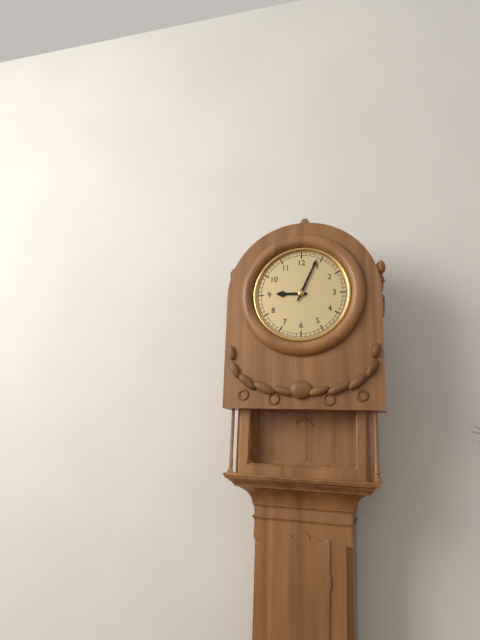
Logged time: **9:04**
